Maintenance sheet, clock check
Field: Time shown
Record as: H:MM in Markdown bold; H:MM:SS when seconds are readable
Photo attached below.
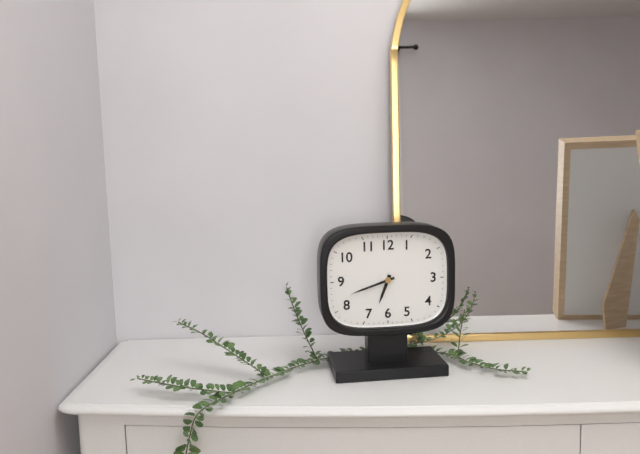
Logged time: **6:42**
